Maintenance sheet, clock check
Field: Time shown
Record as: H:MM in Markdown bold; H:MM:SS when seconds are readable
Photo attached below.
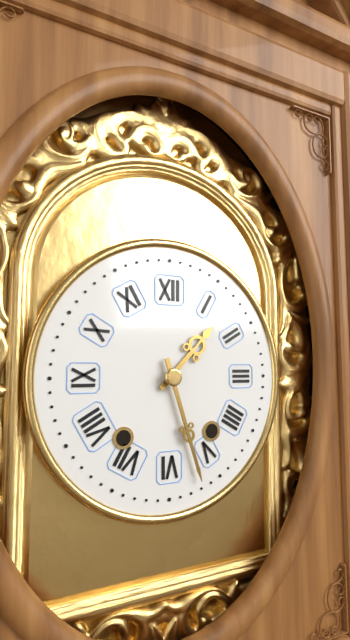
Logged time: **1:27**
